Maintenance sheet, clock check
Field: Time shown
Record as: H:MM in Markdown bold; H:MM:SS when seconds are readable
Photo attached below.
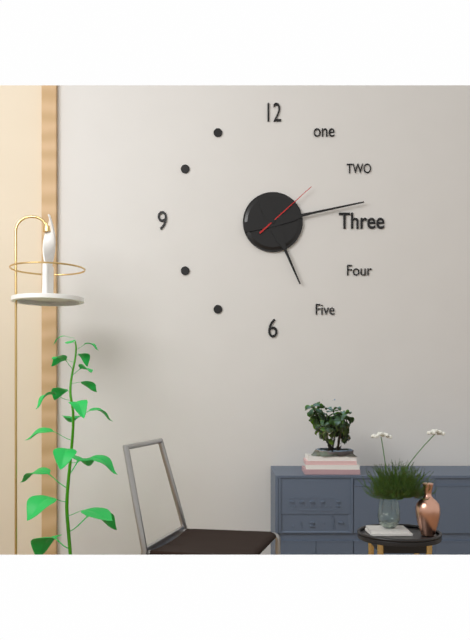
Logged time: **5:13:08**
